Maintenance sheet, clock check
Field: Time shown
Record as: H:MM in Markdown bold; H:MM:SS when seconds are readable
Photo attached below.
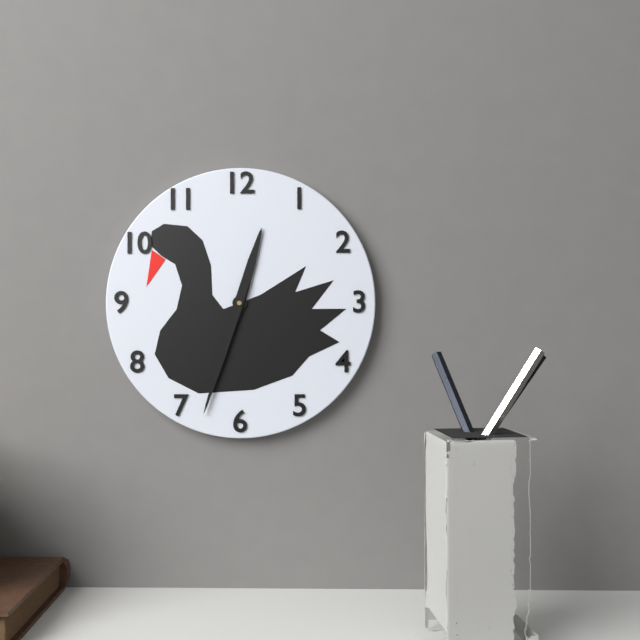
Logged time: **12:33**
